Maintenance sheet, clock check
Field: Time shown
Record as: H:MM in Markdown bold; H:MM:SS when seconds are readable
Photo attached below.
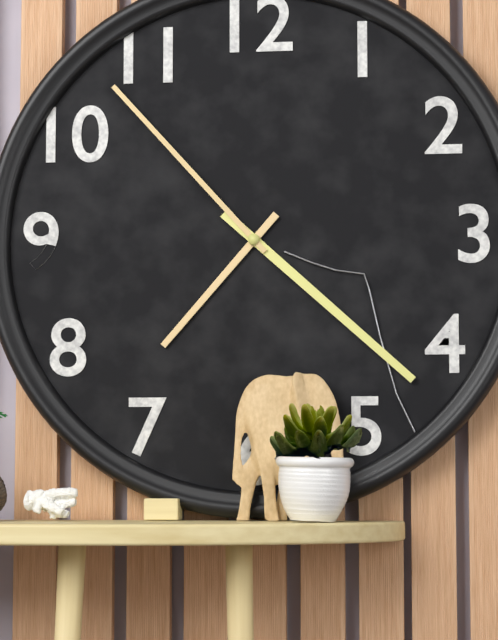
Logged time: **7:22:53**
